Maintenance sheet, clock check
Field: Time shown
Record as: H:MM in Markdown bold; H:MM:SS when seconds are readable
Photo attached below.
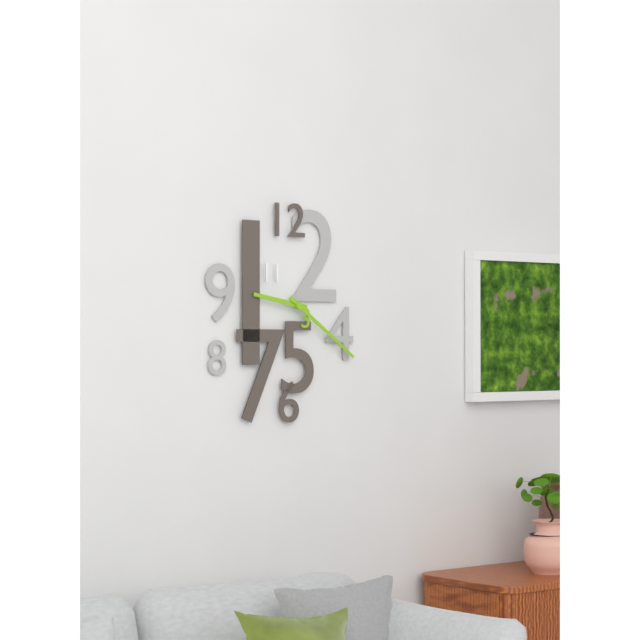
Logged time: **9:21**
